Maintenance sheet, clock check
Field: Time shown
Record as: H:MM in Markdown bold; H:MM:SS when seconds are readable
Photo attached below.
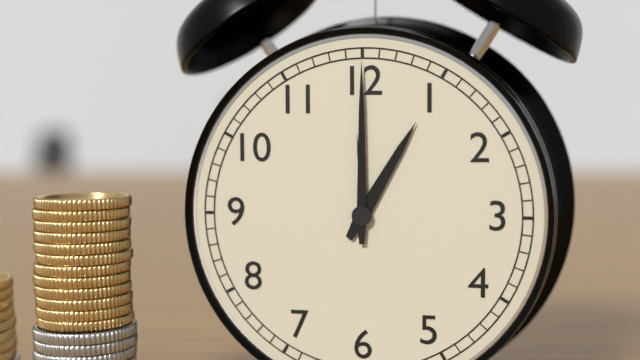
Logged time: **1:00**
